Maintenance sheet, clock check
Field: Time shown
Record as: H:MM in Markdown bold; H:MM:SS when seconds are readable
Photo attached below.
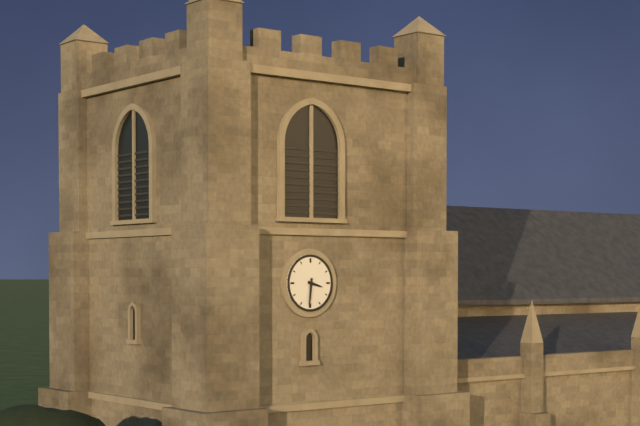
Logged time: **3:31**
